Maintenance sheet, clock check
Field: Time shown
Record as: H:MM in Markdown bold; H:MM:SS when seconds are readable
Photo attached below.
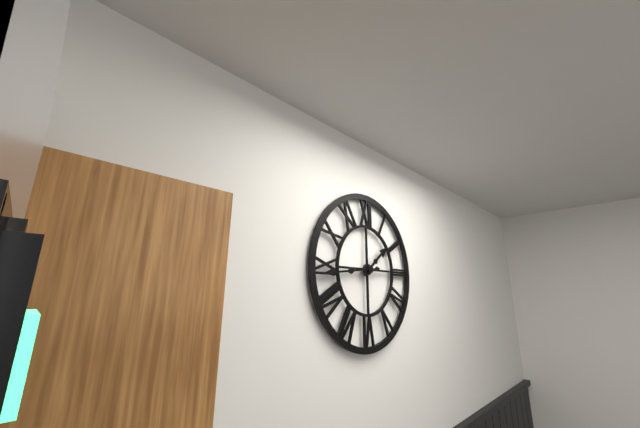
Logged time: **1:44**
